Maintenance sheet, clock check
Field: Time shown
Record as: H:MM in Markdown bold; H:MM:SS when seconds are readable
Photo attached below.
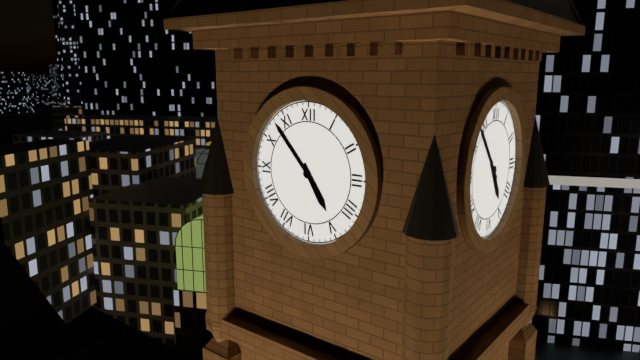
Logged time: **4:53**
